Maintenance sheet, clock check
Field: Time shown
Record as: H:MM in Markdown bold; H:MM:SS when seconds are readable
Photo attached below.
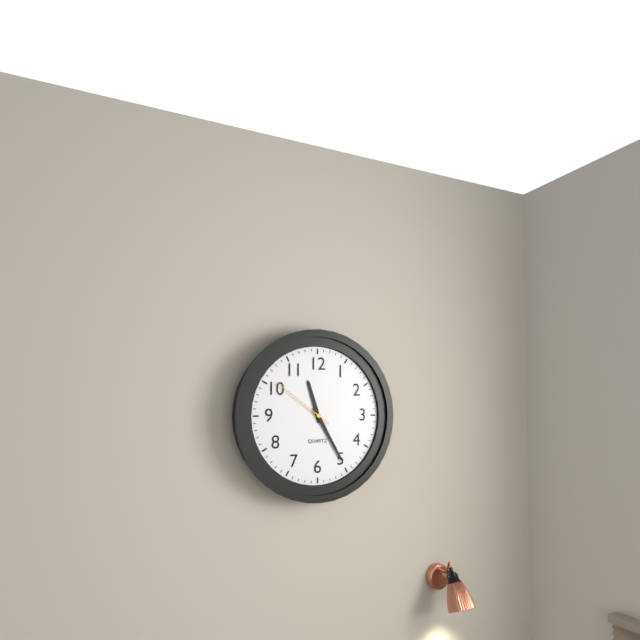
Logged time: **11:25:51**
